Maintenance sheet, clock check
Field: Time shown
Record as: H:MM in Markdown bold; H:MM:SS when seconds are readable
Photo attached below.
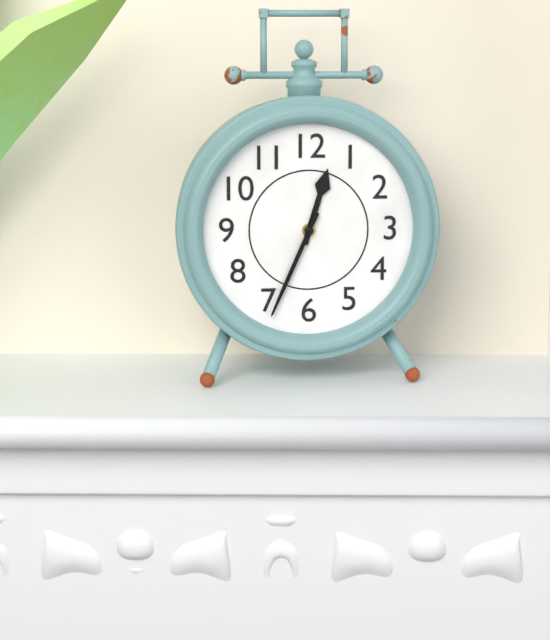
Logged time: **12:34**
